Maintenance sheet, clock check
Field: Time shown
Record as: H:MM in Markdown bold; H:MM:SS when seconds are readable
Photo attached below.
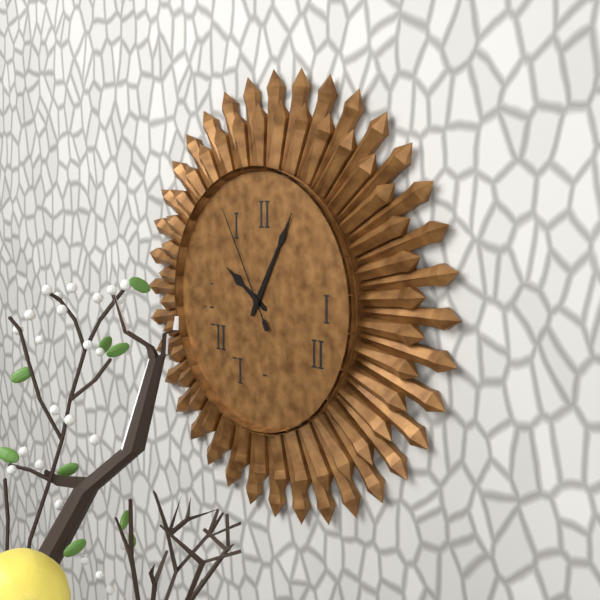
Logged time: **10:05:55**
